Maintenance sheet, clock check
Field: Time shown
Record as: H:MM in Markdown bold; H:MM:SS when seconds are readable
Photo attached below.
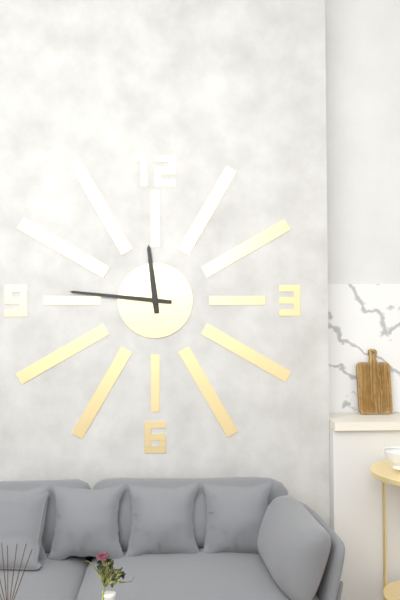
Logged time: **11:46**
